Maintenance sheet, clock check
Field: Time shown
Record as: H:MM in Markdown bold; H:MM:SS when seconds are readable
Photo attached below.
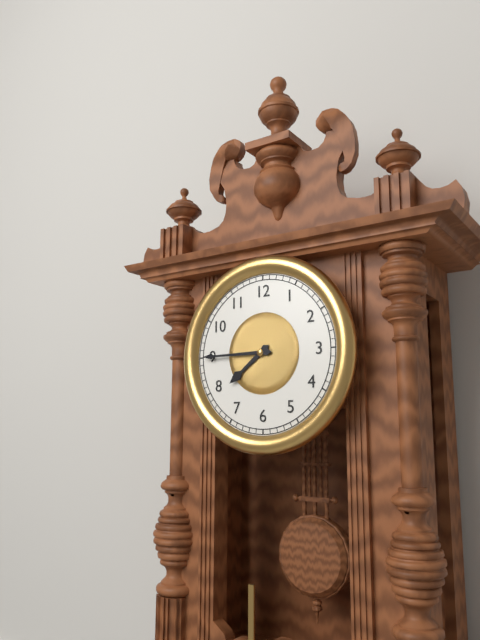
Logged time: **7:45**
